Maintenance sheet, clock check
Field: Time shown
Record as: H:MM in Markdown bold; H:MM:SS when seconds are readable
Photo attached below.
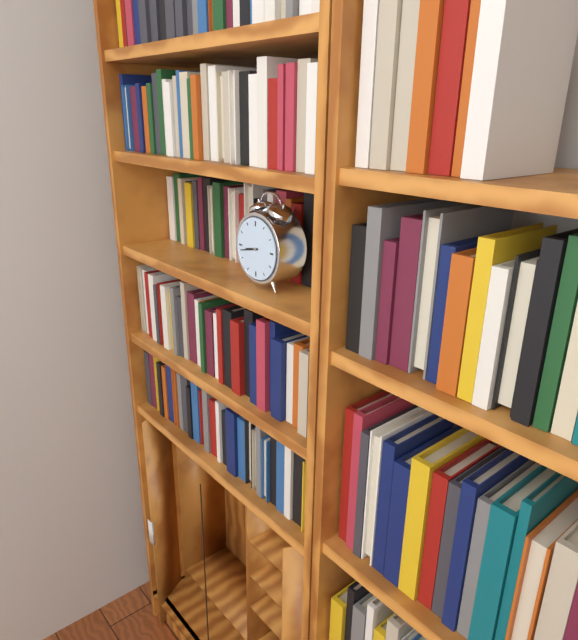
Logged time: **8:43**
